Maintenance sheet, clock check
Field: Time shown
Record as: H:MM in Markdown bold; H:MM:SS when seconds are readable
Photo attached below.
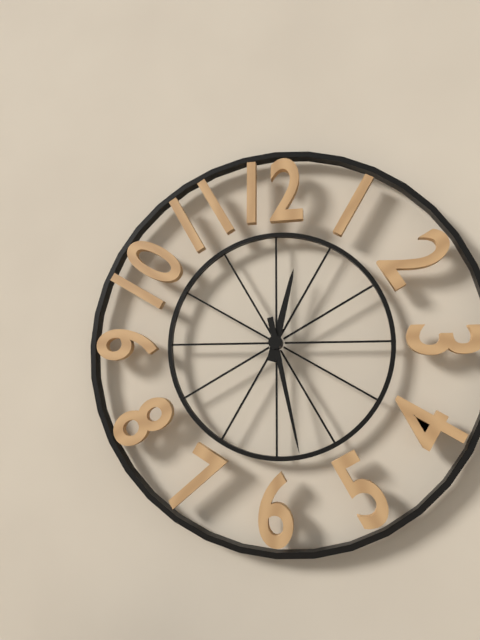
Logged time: **12:28**
